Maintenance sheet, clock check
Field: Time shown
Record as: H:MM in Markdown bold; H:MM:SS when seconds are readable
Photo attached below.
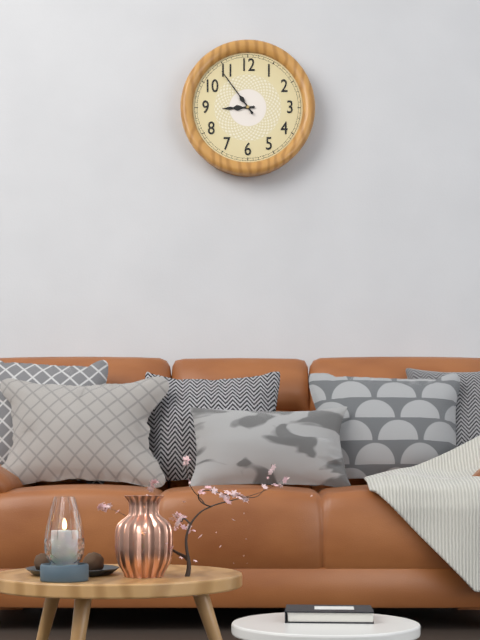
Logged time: **8:54**
